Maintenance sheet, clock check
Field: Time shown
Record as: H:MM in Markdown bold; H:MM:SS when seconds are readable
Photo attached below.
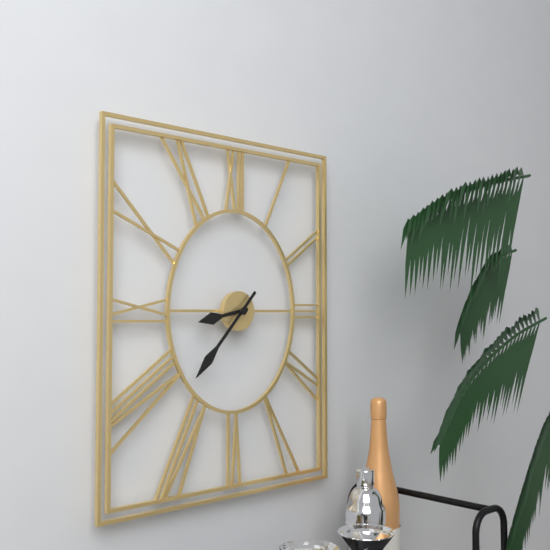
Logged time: **8:37**
